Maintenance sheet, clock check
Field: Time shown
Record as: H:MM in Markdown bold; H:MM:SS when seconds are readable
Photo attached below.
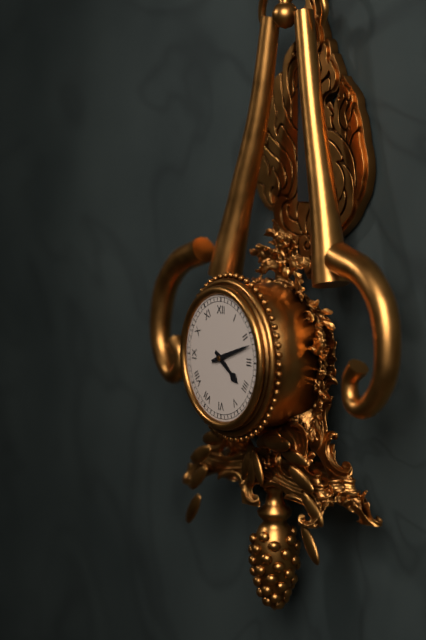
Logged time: **4:12**
